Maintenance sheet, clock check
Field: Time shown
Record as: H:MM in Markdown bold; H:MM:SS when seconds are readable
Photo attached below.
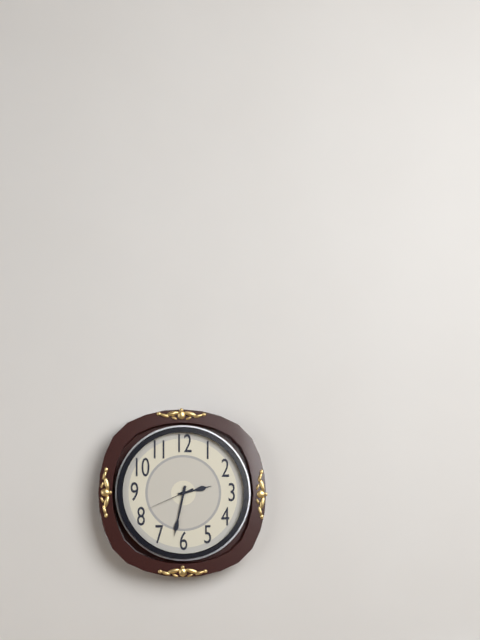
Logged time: **2:32:41**
